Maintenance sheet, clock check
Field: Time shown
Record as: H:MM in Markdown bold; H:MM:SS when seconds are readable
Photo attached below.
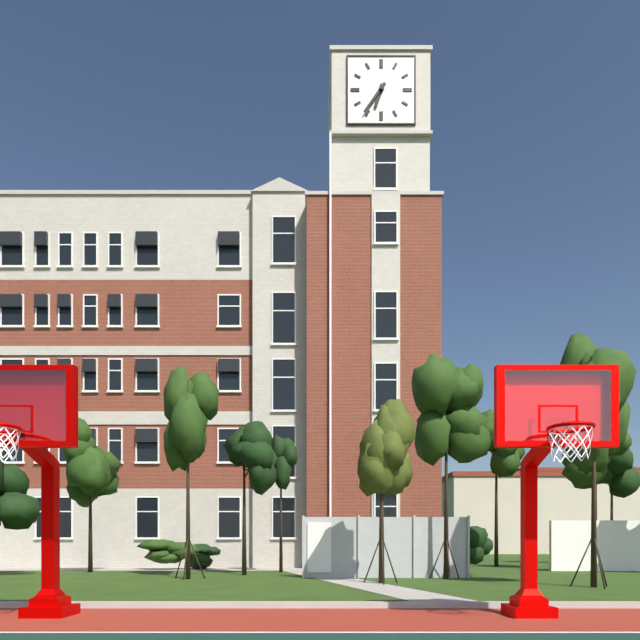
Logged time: **6:36**
